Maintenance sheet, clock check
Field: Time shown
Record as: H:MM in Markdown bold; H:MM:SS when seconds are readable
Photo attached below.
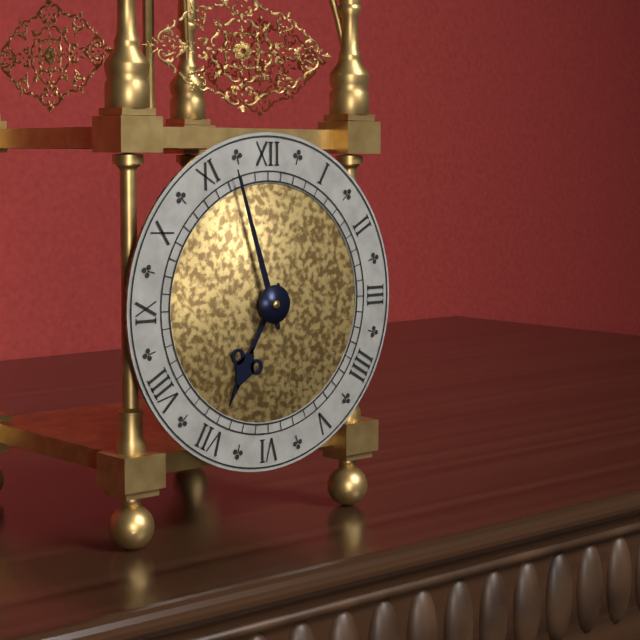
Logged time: **6:57**
